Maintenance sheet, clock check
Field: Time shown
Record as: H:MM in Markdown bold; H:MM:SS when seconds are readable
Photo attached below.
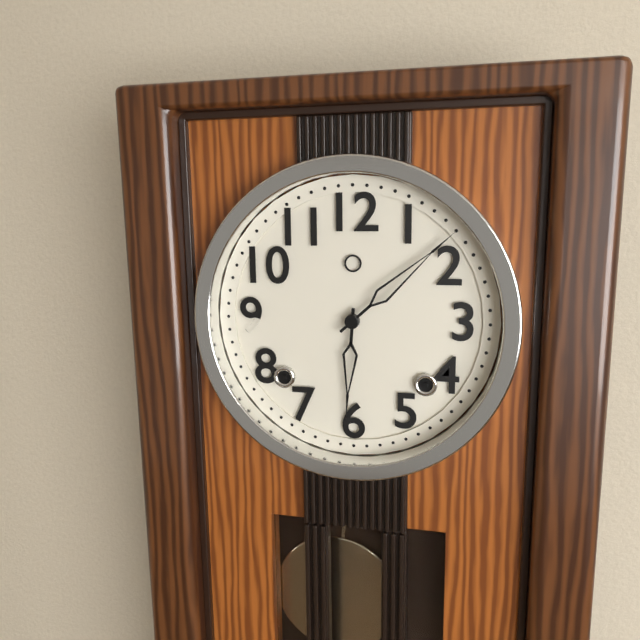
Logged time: **6:08**
